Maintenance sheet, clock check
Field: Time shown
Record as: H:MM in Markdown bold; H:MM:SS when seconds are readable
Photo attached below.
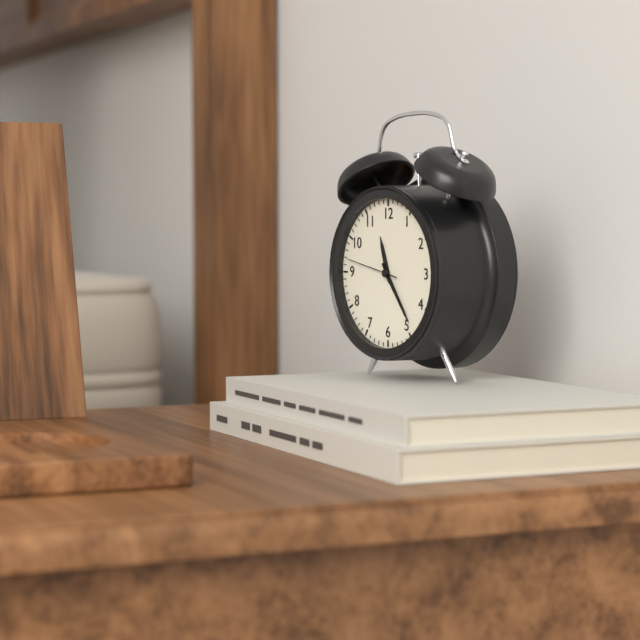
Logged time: **11:24:47**
